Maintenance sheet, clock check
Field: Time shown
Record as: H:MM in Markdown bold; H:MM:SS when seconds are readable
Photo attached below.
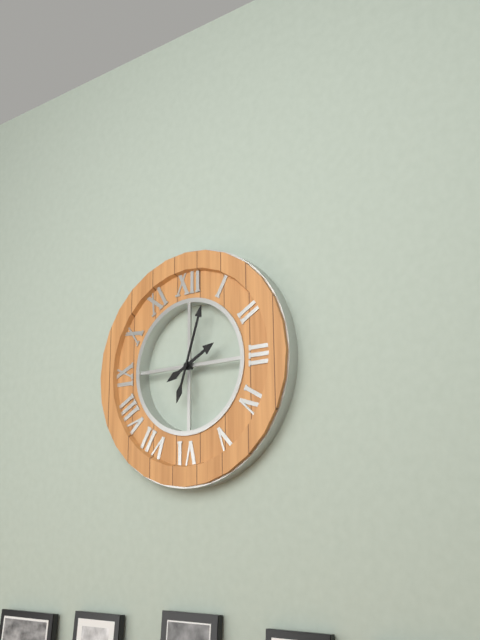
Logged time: **2:03**
